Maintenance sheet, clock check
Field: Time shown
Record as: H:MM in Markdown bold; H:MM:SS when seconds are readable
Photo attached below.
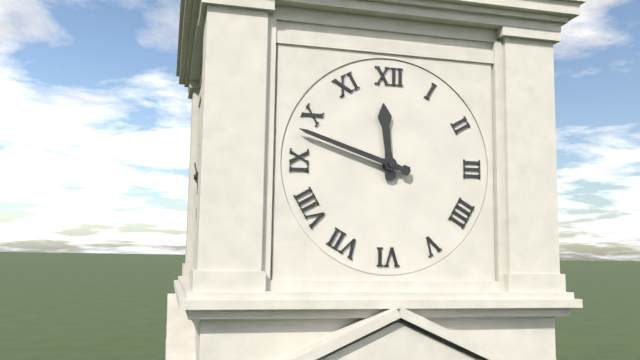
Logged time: **11:48**
